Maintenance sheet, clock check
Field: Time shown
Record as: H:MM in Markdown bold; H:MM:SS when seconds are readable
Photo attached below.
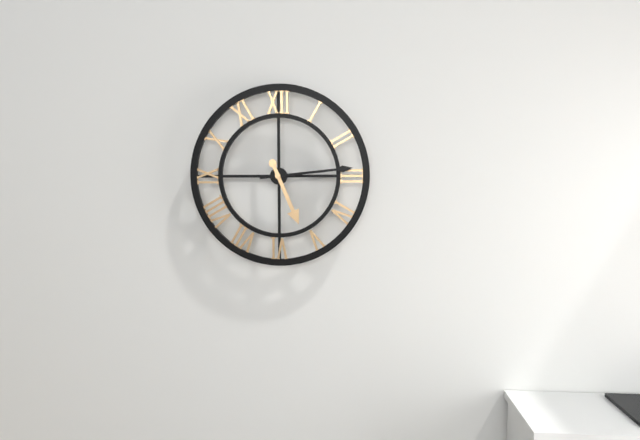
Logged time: **5:14**
